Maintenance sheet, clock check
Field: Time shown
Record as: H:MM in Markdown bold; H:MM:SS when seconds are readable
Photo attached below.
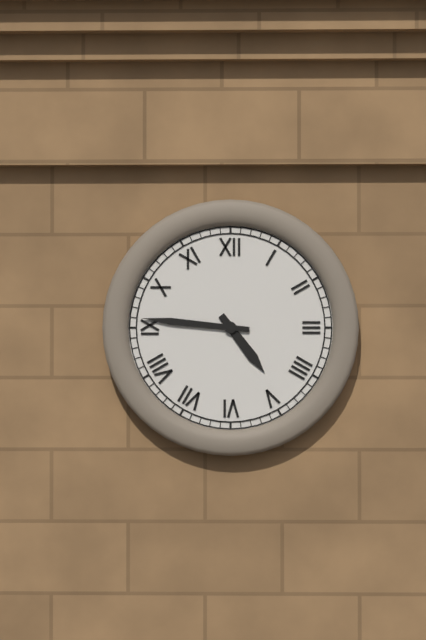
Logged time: **4:46**
